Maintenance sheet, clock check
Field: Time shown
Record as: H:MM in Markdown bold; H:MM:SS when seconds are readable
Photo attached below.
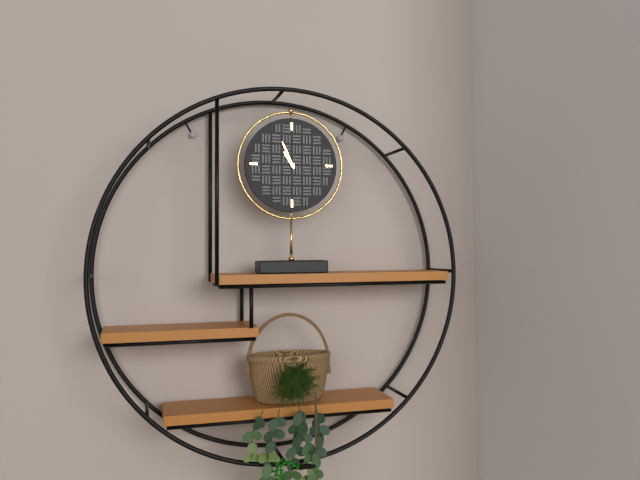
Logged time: **10:56**
